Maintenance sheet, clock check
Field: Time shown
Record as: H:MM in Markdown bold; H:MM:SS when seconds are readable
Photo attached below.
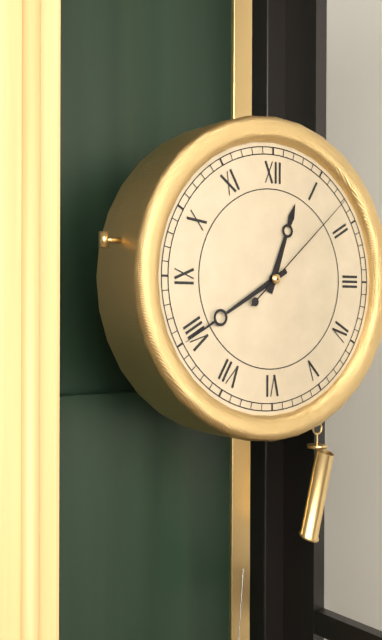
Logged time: **12:40:08**
